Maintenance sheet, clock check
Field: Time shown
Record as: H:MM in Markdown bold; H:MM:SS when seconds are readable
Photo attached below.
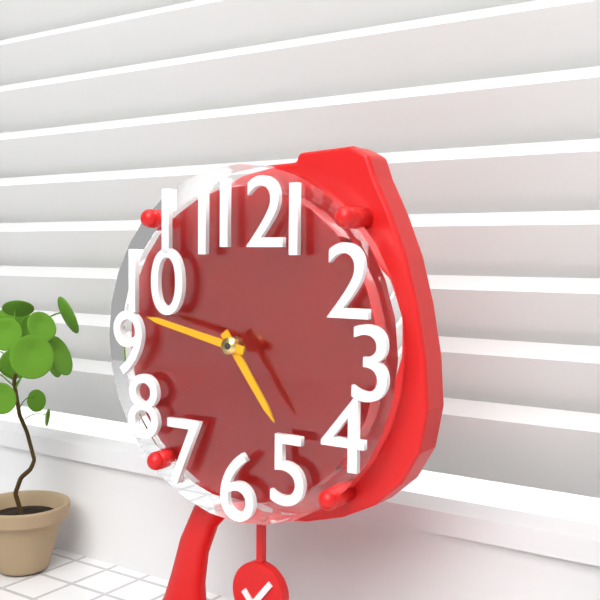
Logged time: **4:47**
